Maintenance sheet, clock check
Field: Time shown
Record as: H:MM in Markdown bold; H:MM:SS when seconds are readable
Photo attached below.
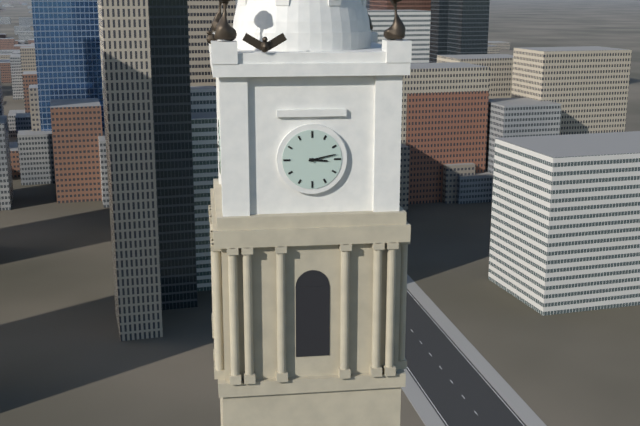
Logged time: **3:13**
